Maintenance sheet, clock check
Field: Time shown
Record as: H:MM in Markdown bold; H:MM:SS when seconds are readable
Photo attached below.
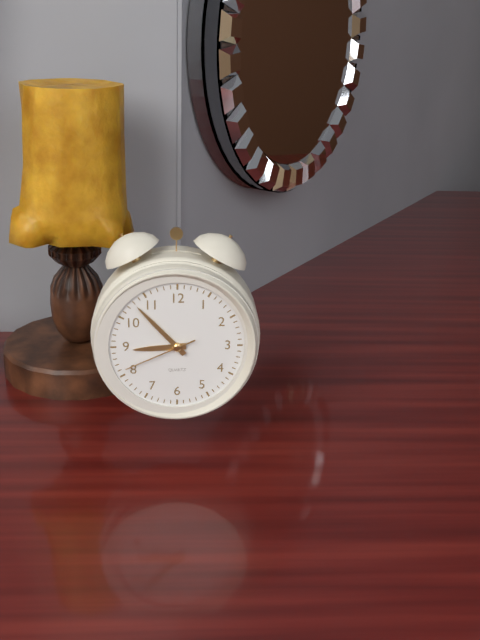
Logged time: **8:53:41**
